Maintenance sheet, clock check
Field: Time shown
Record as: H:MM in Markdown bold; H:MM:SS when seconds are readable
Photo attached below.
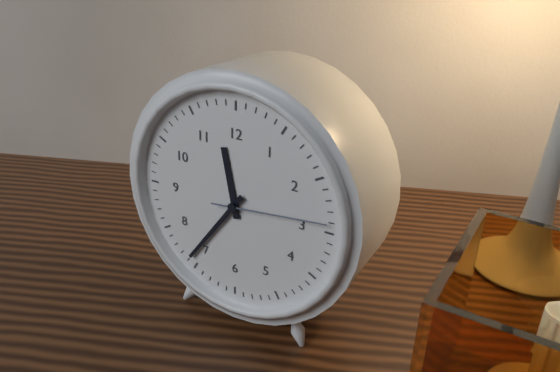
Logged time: **11:36:14**
